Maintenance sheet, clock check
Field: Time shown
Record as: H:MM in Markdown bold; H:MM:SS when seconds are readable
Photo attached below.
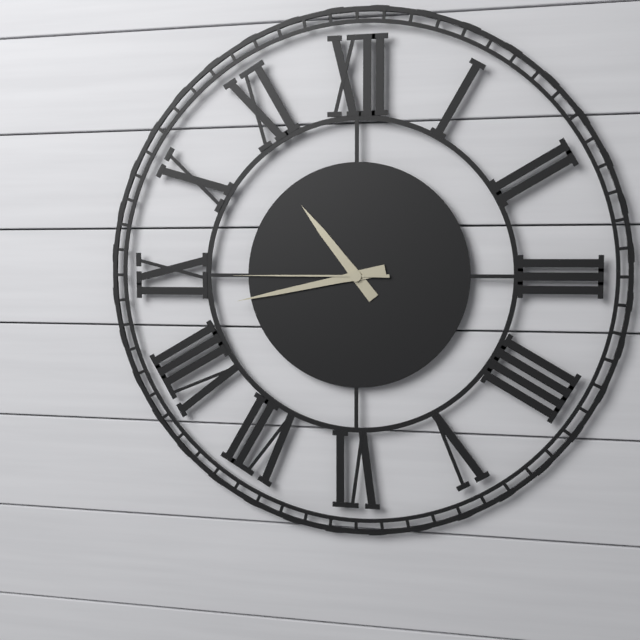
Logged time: **10:43:45**
